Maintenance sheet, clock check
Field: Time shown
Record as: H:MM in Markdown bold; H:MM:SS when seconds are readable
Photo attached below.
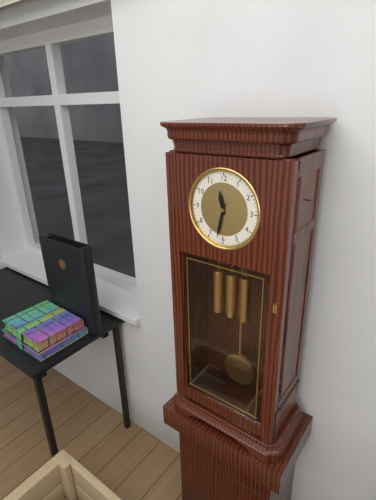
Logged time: **11:32**
